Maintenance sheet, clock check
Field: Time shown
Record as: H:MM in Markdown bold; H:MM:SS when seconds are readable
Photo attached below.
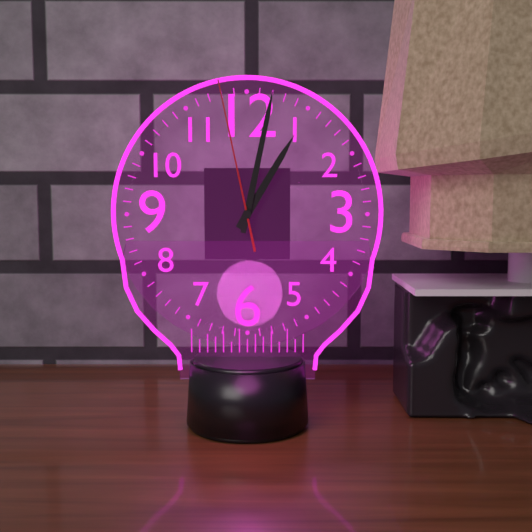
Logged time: **1:02:58**
